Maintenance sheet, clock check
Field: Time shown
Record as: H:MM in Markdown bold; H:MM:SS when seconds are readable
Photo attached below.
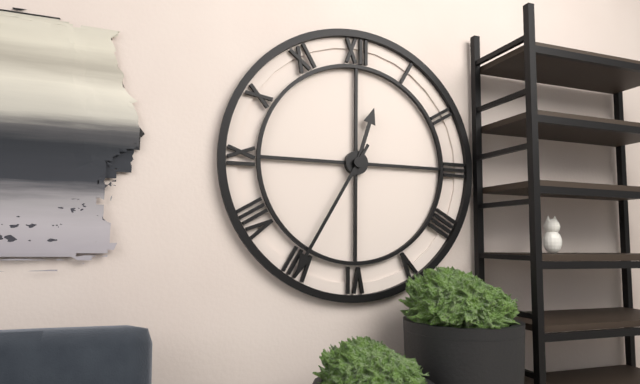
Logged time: **12:35**
